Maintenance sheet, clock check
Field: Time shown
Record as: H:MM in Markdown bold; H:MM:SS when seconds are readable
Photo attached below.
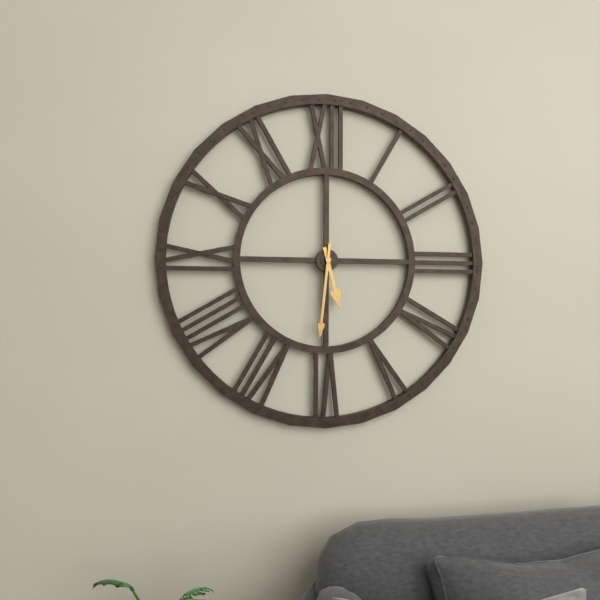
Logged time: **5:31**
